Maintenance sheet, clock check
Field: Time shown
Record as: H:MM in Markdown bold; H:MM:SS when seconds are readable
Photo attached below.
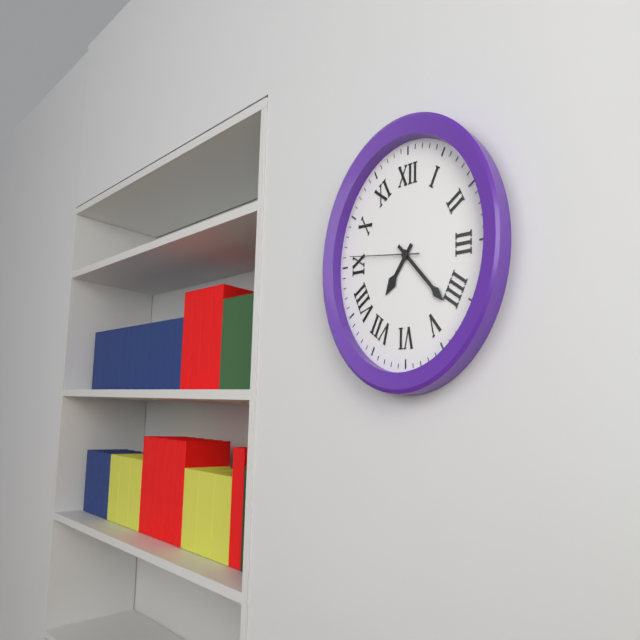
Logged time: **7:22:46**
